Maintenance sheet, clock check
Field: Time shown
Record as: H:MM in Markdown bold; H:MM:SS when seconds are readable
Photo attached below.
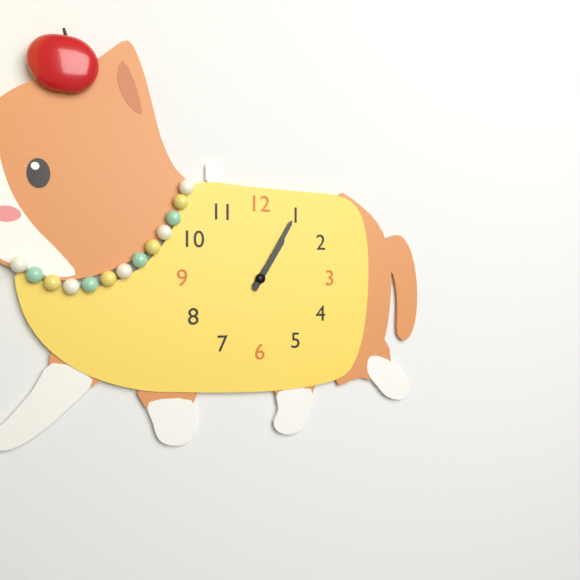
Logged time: **1:05**
